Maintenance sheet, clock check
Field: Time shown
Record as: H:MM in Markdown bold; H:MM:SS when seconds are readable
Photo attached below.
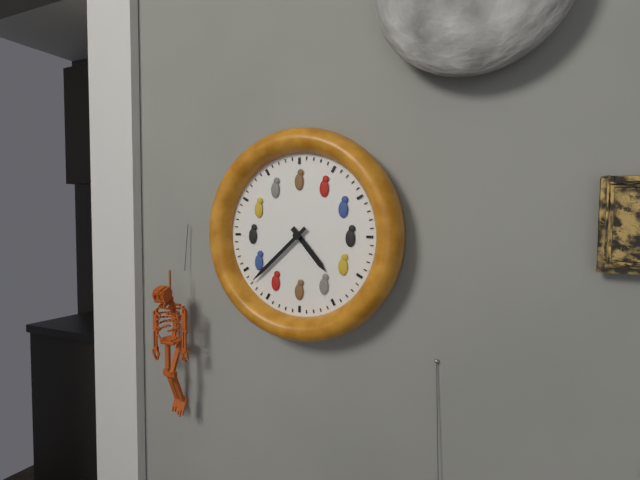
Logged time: **4:38**
